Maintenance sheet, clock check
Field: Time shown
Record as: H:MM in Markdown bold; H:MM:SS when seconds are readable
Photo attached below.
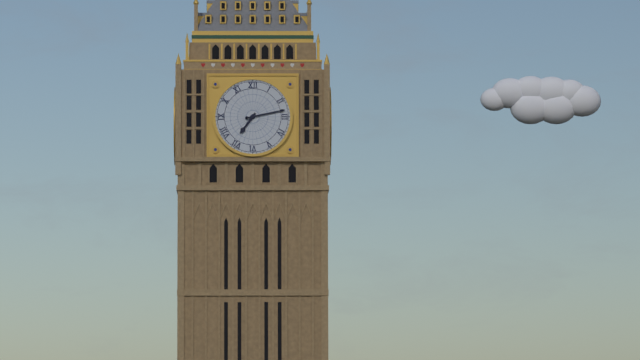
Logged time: **7:13**
